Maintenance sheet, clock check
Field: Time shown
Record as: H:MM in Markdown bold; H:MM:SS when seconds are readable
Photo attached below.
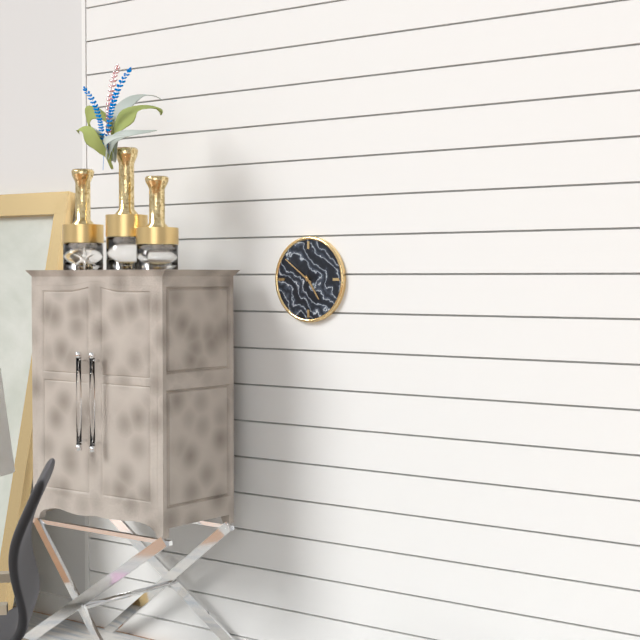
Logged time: **4:51**
